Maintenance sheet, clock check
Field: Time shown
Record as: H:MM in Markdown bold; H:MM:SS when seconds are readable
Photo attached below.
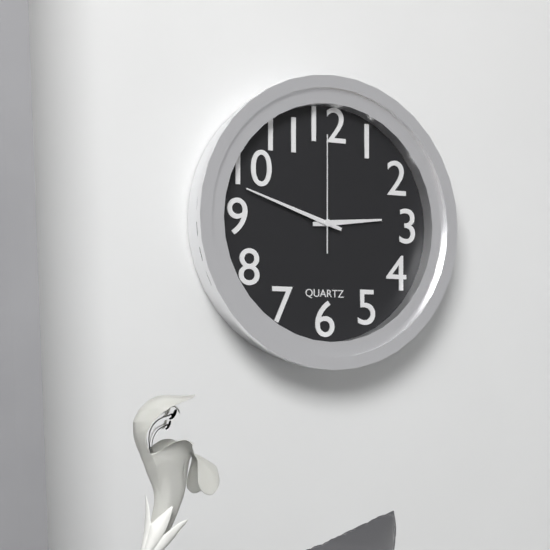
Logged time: **2:48:00**
